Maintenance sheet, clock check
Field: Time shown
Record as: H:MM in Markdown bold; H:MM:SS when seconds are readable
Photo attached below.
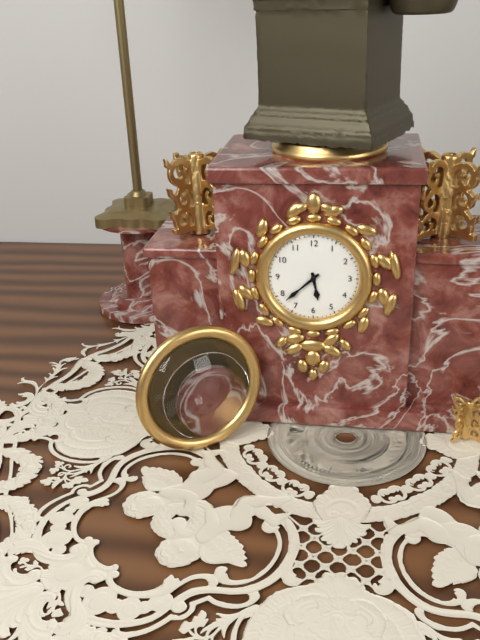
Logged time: **5:38**
